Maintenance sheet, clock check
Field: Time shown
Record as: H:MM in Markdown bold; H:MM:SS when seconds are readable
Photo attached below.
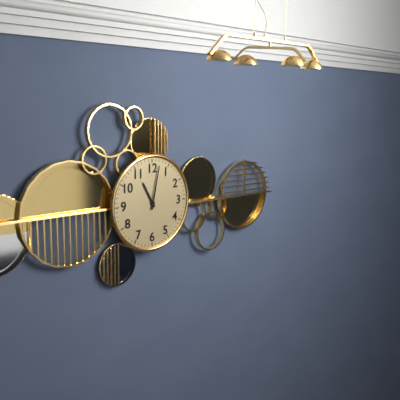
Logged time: **11:02**
